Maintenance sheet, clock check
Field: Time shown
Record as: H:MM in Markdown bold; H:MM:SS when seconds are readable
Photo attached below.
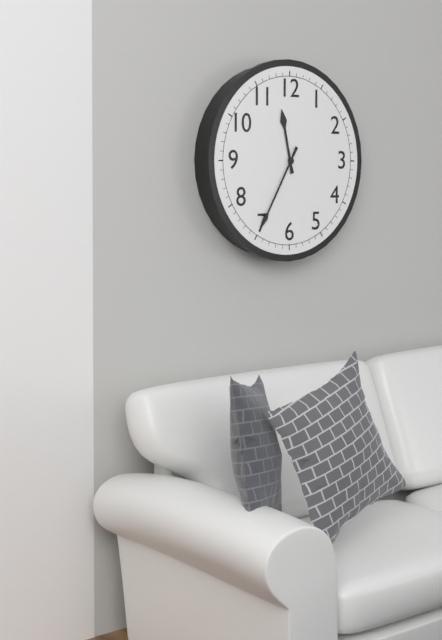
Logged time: **11:35**
